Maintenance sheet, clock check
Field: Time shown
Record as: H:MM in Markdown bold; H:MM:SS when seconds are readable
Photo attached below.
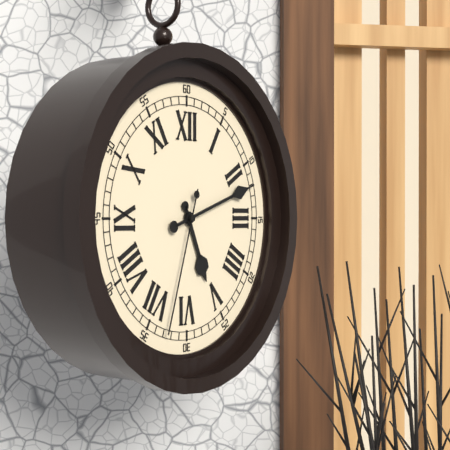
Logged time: **5:12:33**
